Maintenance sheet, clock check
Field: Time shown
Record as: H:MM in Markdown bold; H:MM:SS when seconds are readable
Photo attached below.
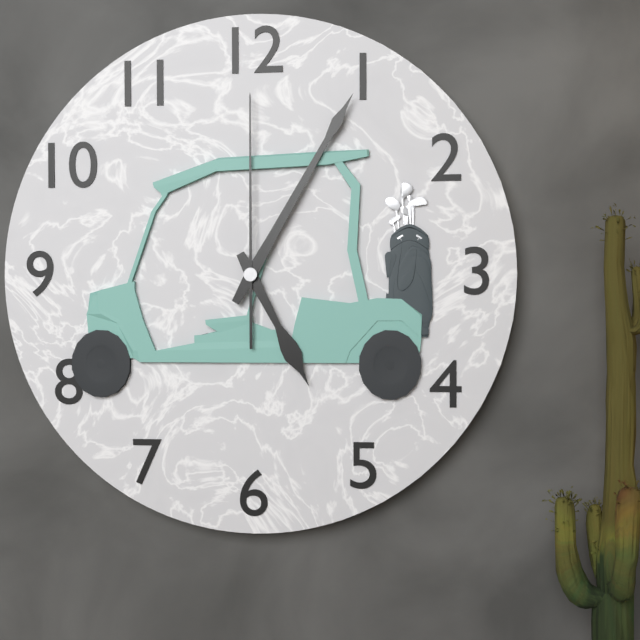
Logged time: **5:05:00**
